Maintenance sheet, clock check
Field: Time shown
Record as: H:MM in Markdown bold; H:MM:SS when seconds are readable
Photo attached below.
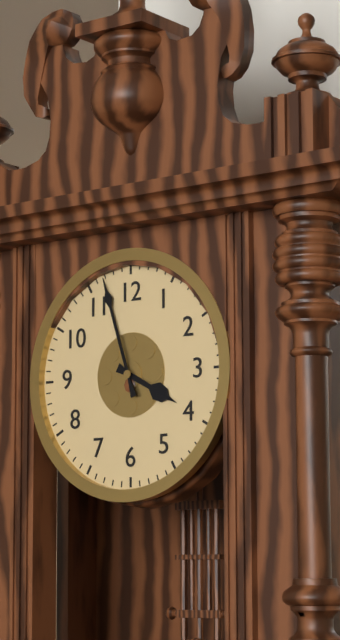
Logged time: **3:57**
